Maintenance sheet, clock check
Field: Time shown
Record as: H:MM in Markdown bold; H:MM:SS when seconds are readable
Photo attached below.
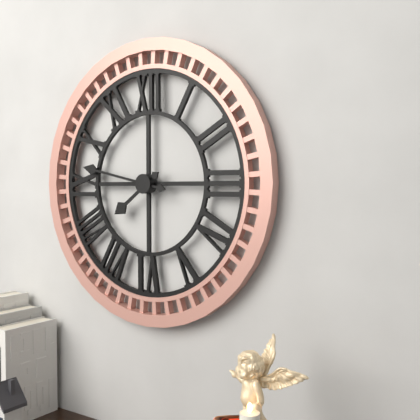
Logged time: **7:47**
